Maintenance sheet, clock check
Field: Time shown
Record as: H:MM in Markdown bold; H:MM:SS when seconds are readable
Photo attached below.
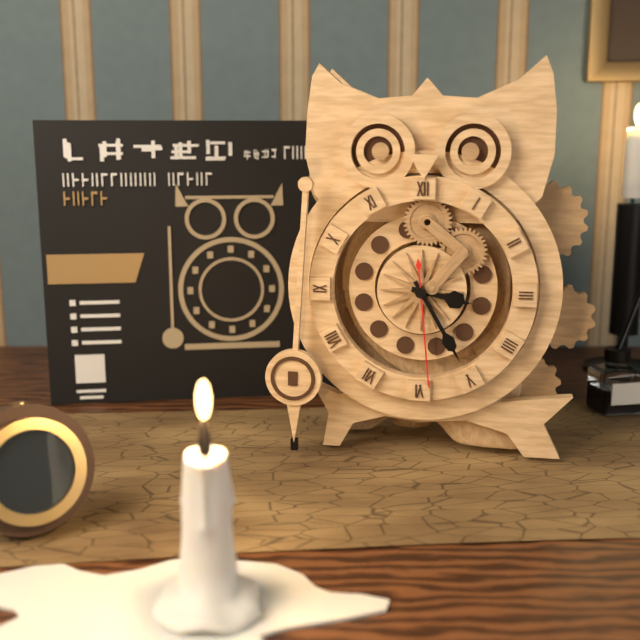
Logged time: **3:25:29**
